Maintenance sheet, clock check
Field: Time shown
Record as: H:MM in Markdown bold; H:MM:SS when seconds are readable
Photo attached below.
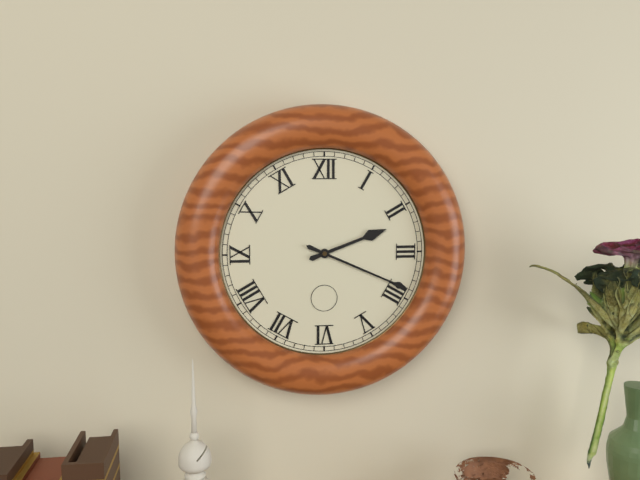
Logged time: **2:19**
